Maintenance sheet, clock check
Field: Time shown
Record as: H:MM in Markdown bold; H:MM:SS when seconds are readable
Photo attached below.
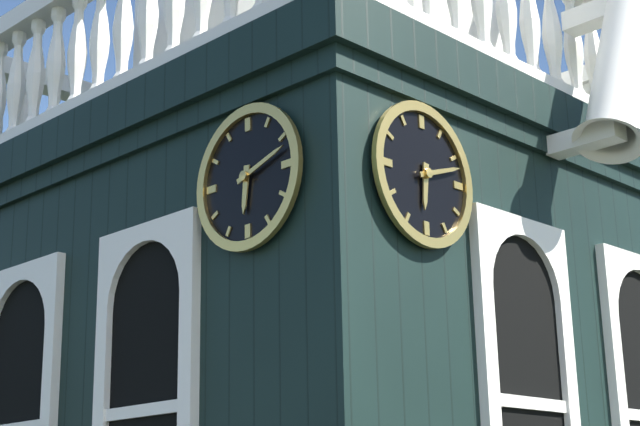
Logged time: **6:12**
